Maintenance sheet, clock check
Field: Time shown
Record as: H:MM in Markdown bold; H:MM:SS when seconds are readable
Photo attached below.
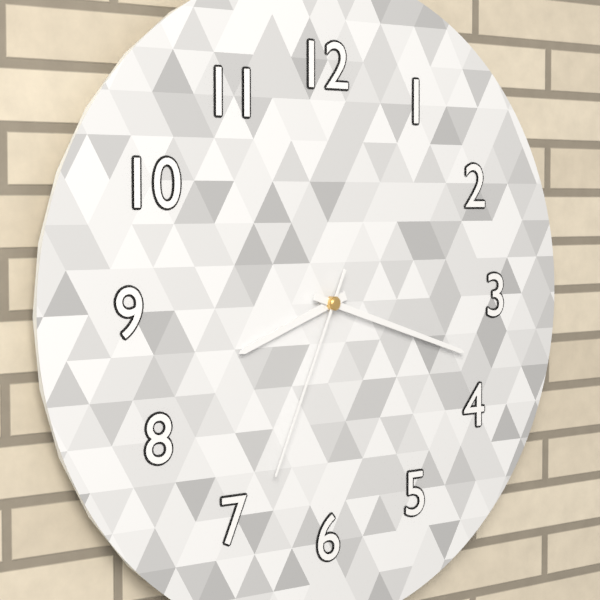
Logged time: **8:18:34**
